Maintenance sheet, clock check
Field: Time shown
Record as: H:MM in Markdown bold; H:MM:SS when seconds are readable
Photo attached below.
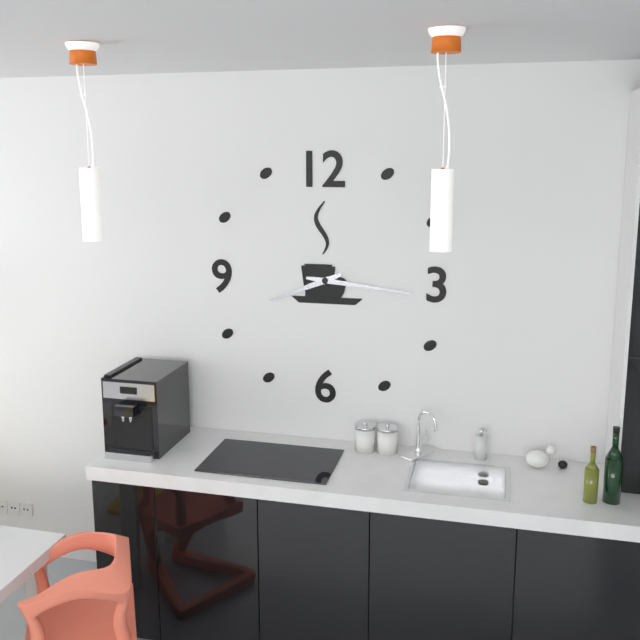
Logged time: **8:16**
